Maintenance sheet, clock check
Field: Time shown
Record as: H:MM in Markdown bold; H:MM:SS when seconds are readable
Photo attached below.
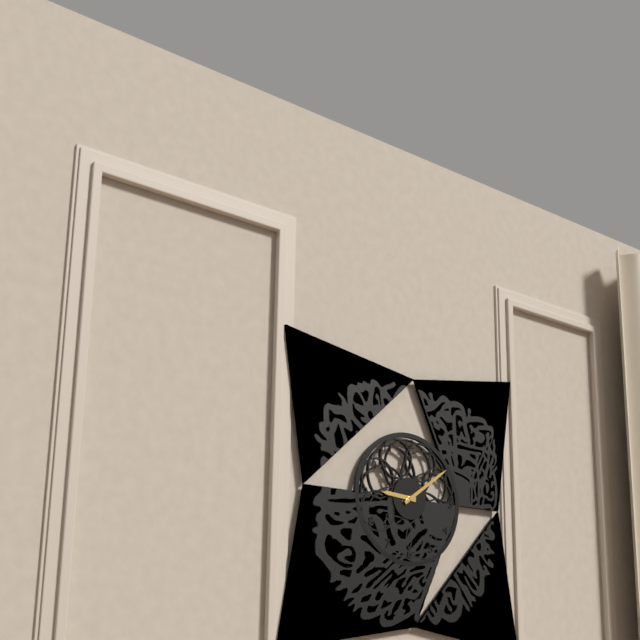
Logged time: **9:09**
